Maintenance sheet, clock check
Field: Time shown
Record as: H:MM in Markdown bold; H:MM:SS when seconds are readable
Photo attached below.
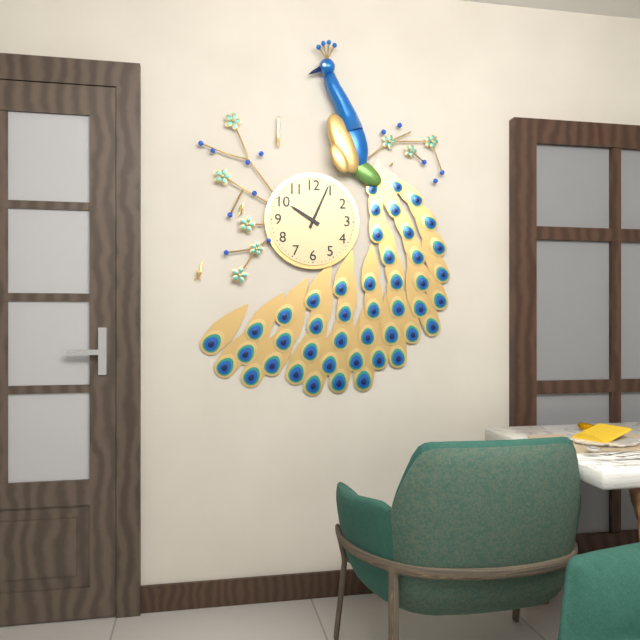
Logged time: **10:04**
